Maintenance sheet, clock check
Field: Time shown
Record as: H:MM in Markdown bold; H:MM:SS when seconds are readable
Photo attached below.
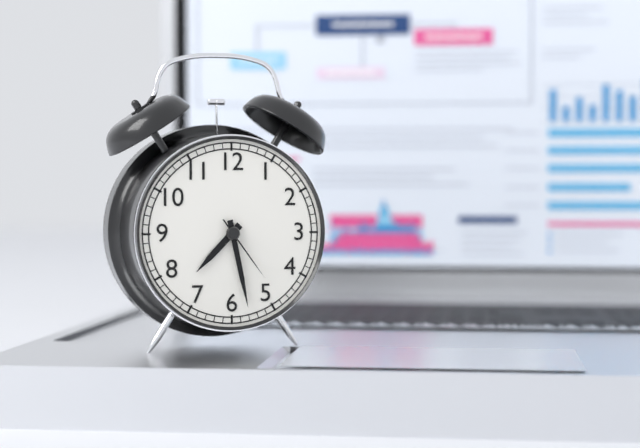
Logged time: **7:28:24**
